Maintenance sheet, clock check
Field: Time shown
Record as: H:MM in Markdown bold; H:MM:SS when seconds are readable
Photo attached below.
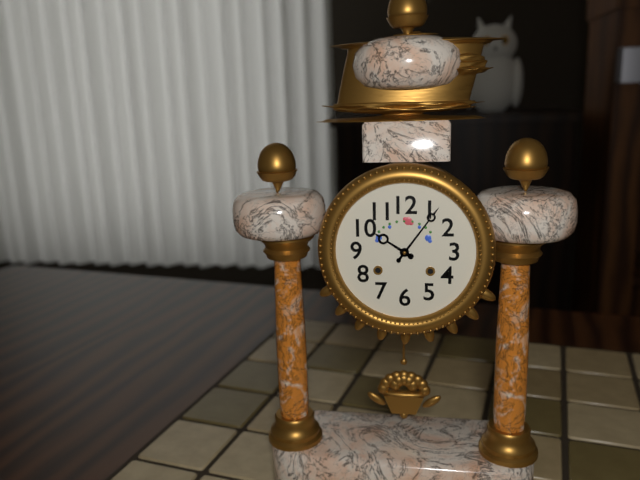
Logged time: **10:06**
